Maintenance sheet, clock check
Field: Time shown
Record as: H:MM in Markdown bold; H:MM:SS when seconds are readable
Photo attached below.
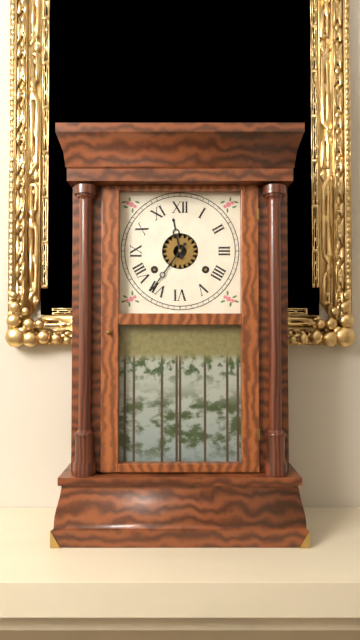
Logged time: **11:36**
